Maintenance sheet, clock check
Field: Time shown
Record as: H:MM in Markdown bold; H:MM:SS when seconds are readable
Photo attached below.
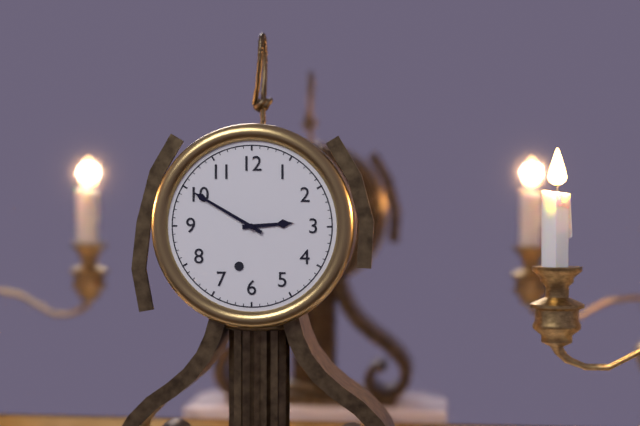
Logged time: **2:50**
